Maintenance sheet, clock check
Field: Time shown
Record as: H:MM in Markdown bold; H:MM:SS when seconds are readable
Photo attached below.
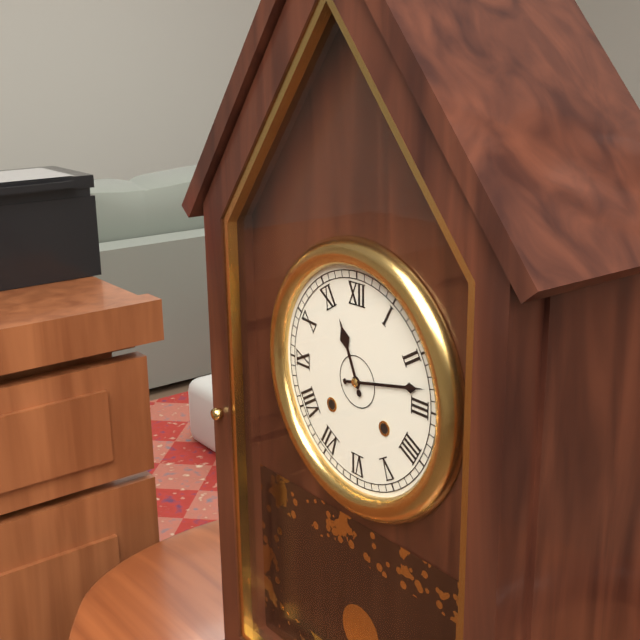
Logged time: **11:13**
